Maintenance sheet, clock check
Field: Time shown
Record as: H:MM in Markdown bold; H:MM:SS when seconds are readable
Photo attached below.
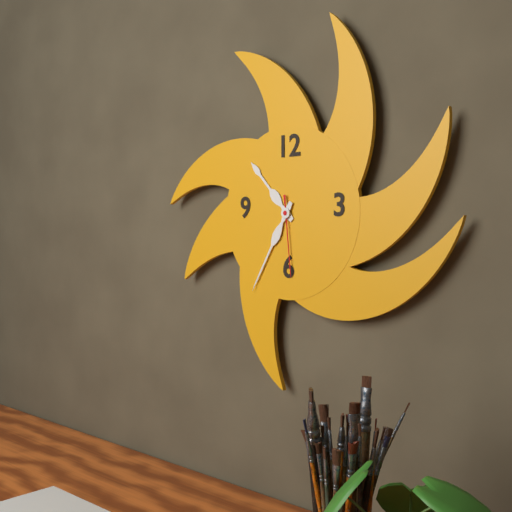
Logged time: **10:35:29**
